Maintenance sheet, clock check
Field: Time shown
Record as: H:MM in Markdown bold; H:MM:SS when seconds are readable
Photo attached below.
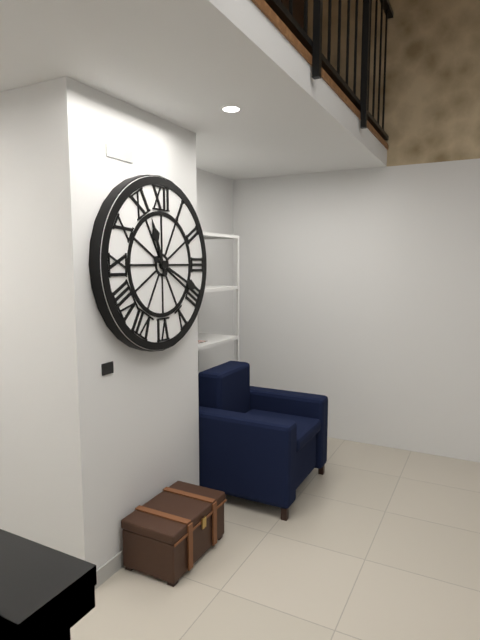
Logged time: **11:19**
